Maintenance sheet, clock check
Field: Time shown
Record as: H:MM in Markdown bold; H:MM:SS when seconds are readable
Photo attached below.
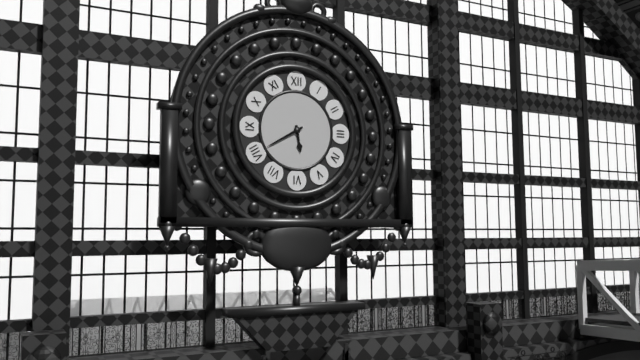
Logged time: **5:40**
